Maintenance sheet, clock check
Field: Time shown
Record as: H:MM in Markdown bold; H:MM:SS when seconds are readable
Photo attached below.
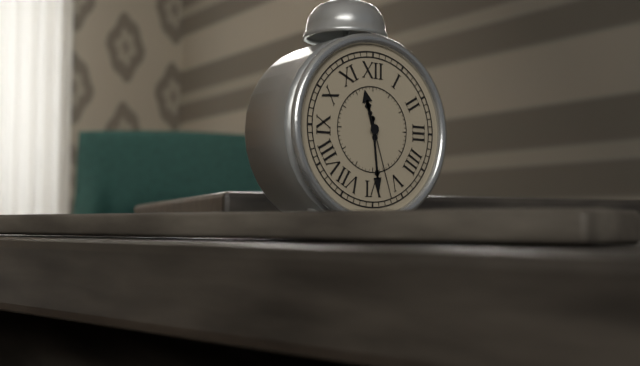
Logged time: **11:29:27**
